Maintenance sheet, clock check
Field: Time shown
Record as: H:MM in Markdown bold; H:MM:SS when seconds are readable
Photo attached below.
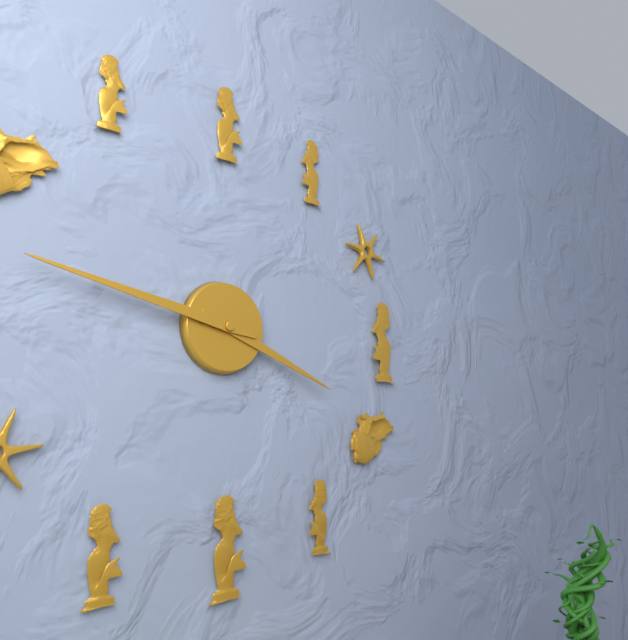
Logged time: **3:47**
